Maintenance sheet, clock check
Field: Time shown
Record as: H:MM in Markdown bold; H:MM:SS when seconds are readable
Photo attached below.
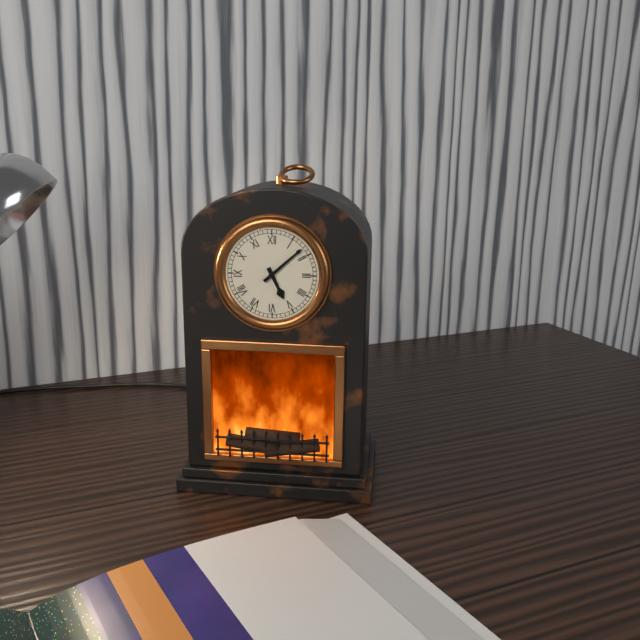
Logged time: **5:08**
